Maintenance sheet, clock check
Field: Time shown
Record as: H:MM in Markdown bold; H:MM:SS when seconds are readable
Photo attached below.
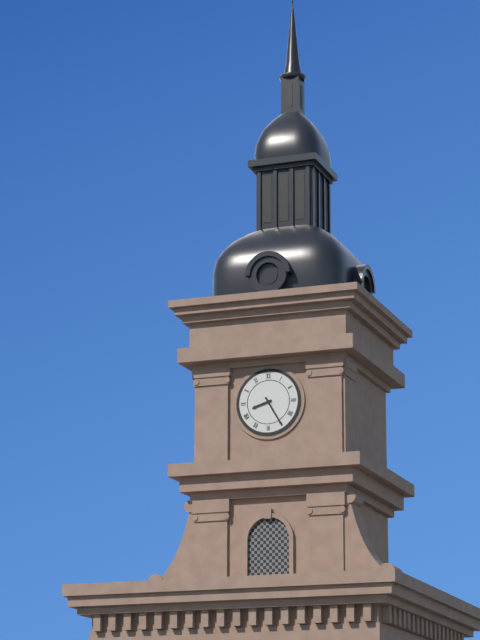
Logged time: **8:25**
